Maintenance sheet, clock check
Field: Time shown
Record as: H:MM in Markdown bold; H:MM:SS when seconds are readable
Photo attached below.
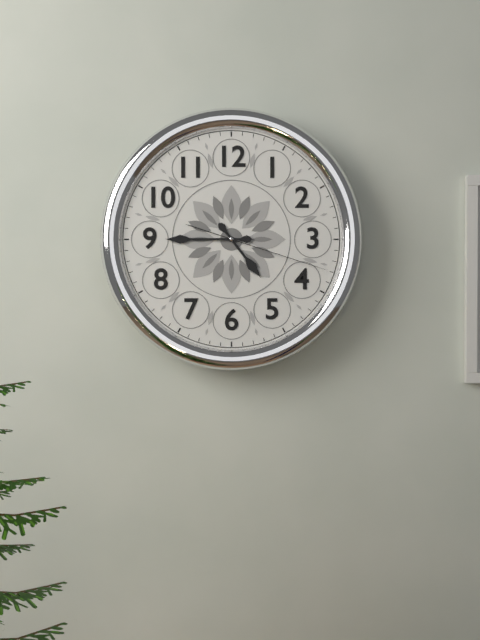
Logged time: **4:45:18**
